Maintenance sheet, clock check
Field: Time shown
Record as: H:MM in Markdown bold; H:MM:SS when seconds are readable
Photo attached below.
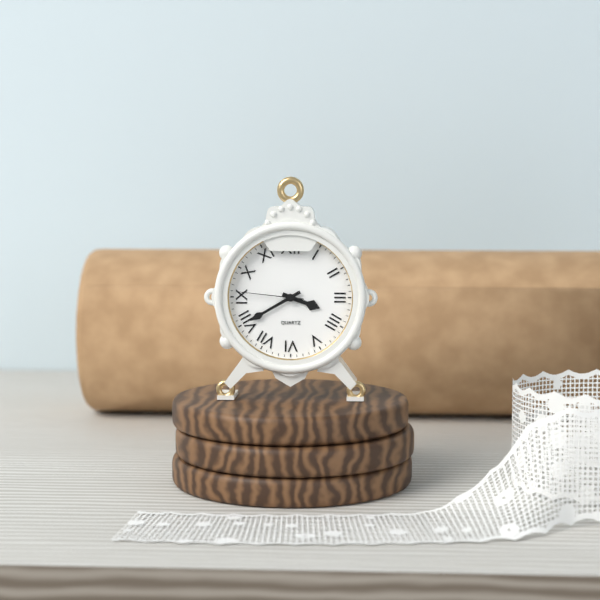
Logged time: **3:40:46**
